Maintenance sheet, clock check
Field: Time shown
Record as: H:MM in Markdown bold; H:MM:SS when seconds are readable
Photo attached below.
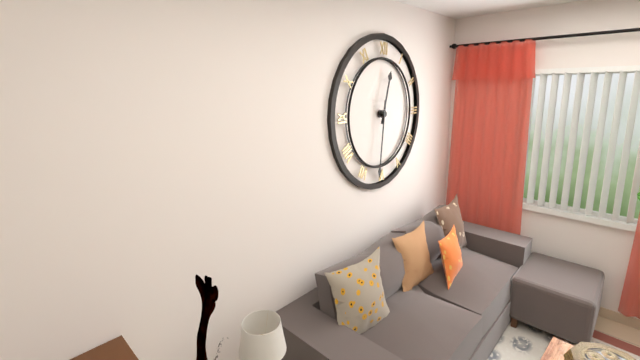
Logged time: **12:31**
